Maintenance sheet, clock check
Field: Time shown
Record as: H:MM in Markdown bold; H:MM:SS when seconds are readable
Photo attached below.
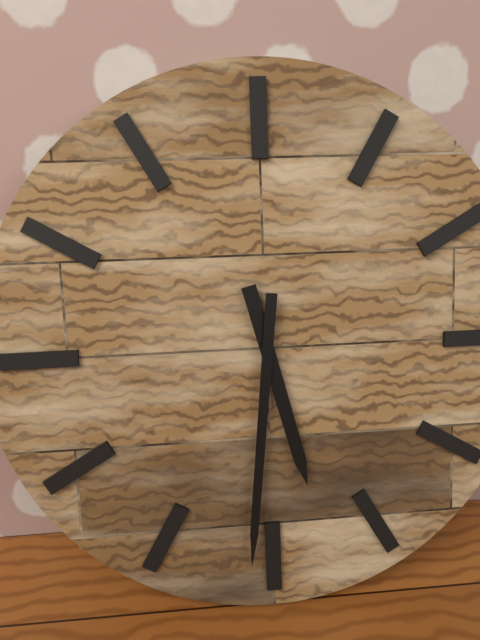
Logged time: **5:31**
